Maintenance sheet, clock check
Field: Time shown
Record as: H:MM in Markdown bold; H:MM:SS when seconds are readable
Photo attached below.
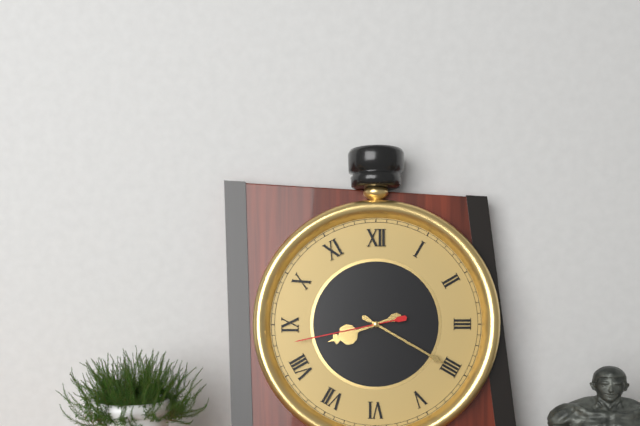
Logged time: **8:20:43**
